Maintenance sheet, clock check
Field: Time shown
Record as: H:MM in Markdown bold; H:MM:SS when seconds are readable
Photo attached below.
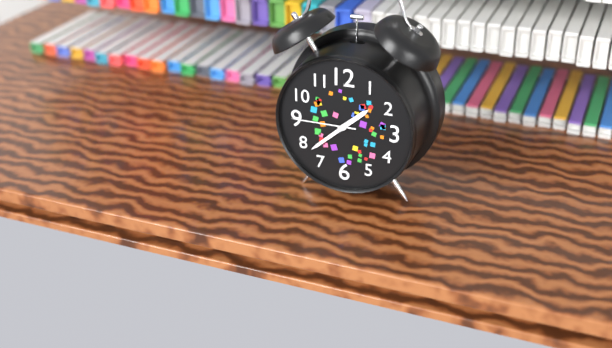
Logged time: **1:38:45**
